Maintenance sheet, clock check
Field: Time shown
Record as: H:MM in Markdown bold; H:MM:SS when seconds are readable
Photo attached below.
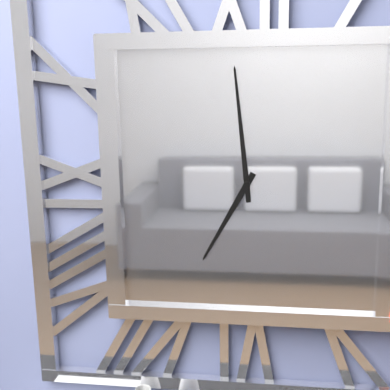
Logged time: **6:59**
